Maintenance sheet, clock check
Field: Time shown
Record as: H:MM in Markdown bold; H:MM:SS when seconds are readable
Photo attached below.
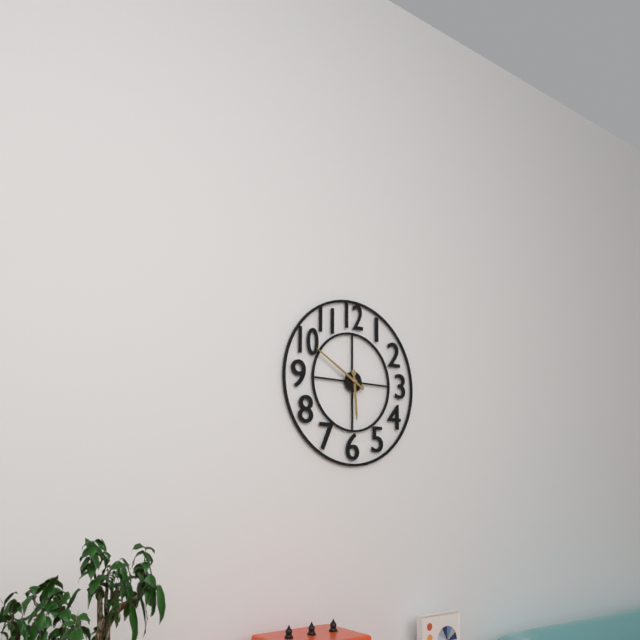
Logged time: **5:50**
